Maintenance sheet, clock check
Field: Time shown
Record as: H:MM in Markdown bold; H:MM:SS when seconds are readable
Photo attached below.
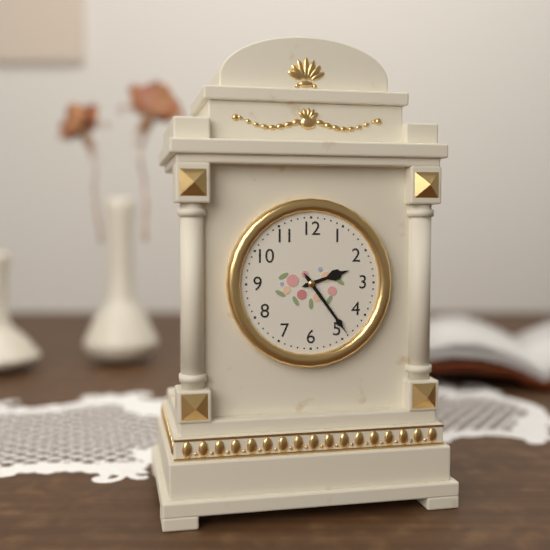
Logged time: **2:24**
